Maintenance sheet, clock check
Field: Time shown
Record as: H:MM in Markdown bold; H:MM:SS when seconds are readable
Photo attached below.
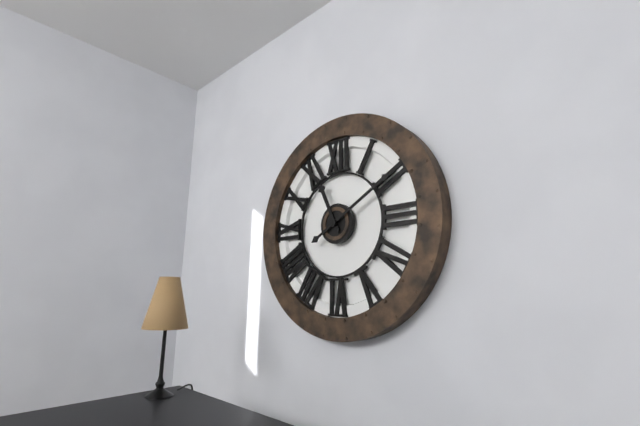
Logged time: **11:10**
